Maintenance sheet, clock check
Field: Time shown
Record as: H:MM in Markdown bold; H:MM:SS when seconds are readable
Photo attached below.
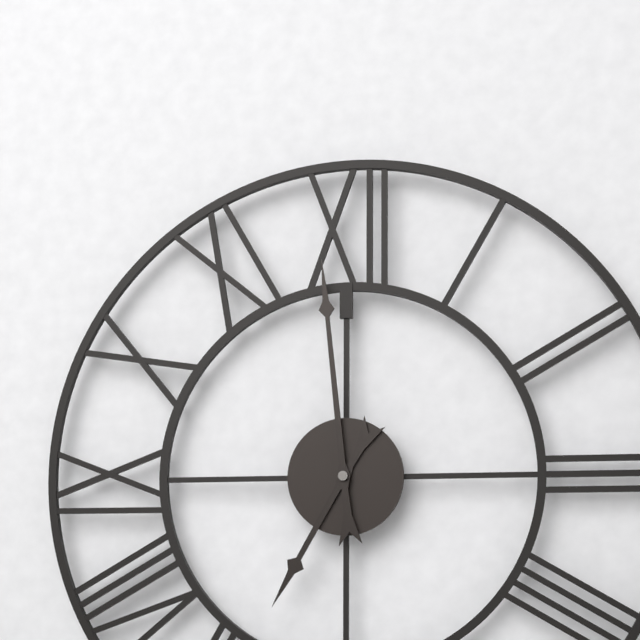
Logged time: **6:59**
